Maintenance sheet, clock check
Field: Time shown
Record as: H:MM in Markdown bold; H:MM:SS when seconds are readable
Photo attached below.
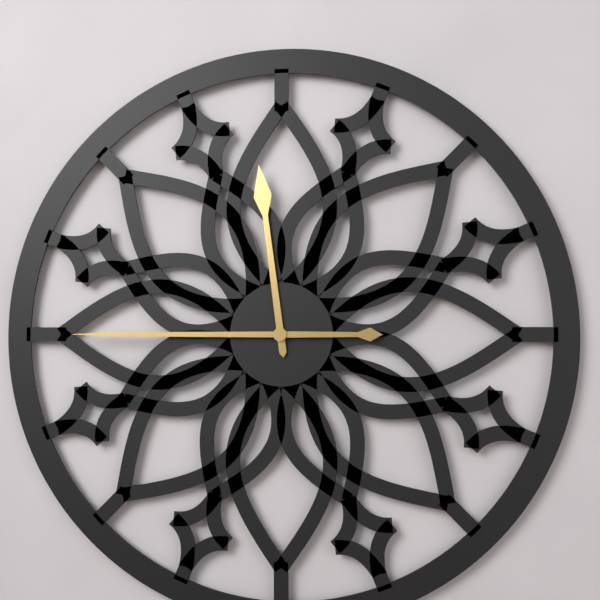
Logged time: **11:45**
